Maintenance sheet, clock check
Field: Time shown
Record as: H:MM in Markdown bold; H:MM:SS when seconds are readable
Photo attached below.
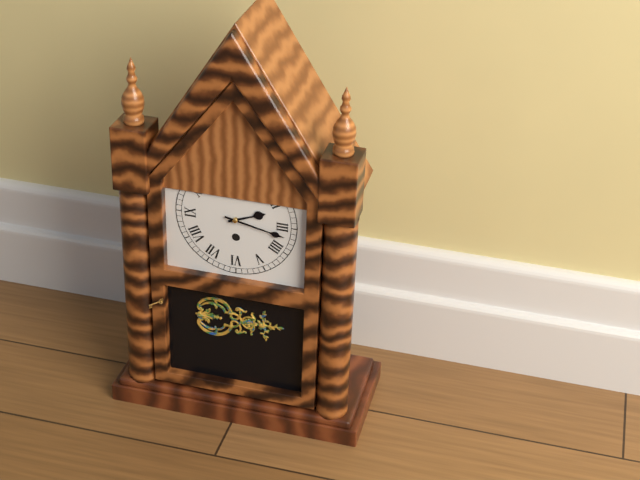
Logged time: **2:17**
